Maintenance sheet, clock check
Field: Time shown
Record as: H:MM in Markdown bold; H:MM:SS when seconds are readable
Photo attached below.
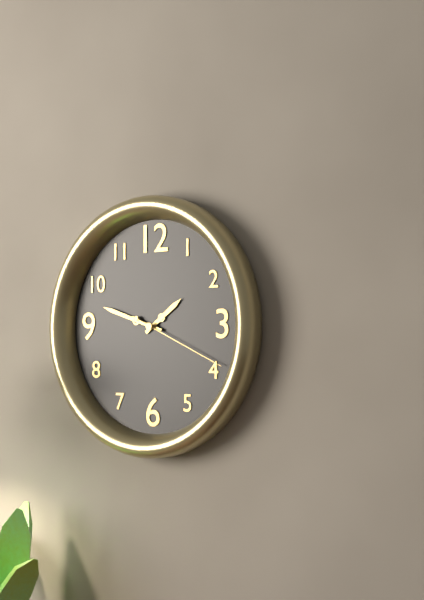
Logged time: **1:48:19**
